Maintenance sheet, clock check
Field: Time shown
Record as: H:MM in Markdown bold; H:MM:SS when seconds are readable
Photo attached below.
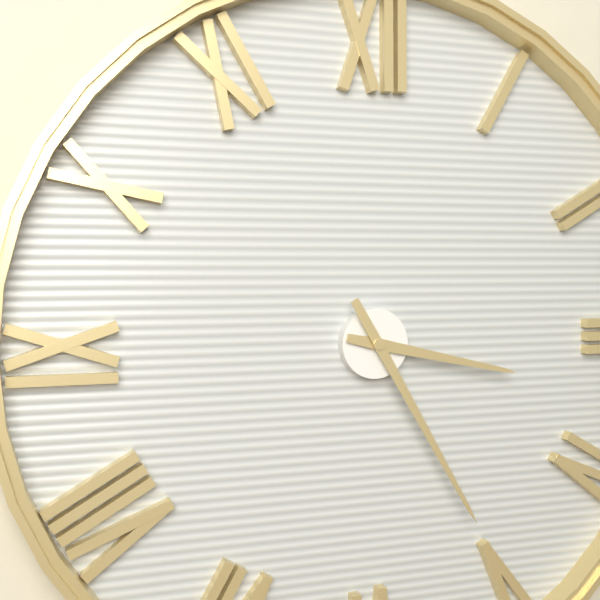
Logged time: **3:25**
